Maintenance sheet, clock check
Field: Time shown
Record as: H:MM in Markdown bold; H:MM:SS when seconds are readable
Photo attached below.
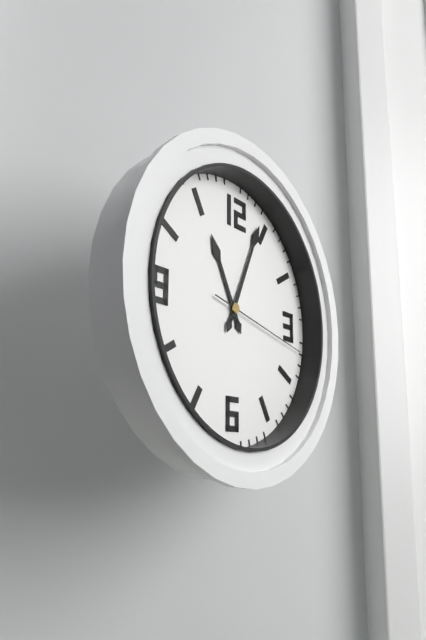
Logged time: **11:04:17**
